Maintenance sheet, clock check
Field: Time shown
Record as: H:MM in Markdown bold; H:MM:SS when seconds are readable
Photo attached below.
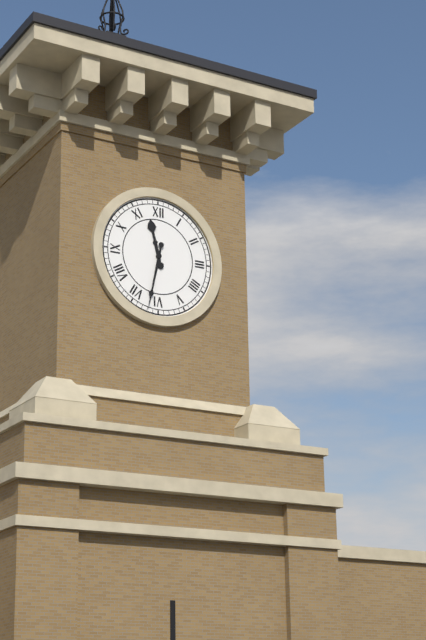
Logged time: **11:32**
